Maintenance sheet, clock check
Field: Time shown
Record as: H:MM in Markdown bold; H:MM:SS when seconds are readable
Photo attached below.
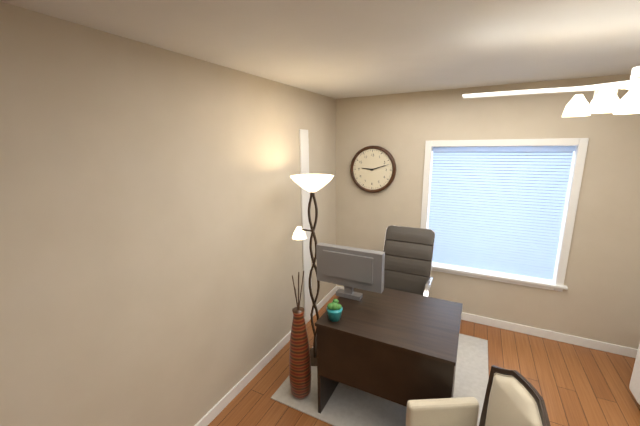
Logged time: **9:12**
